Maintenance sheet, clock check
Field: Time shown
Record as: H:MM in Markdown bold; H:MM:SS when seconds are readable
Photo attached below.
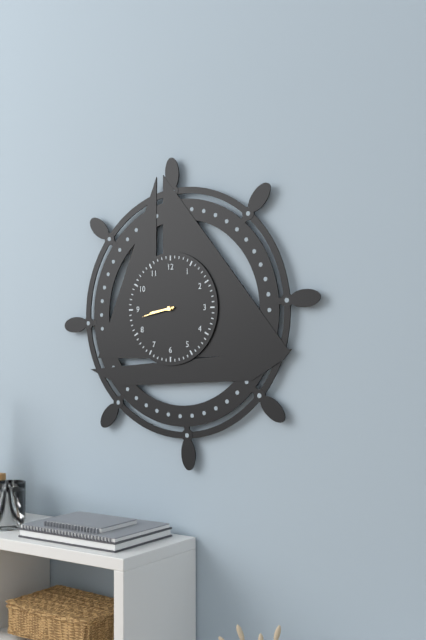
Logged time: **8:43**
